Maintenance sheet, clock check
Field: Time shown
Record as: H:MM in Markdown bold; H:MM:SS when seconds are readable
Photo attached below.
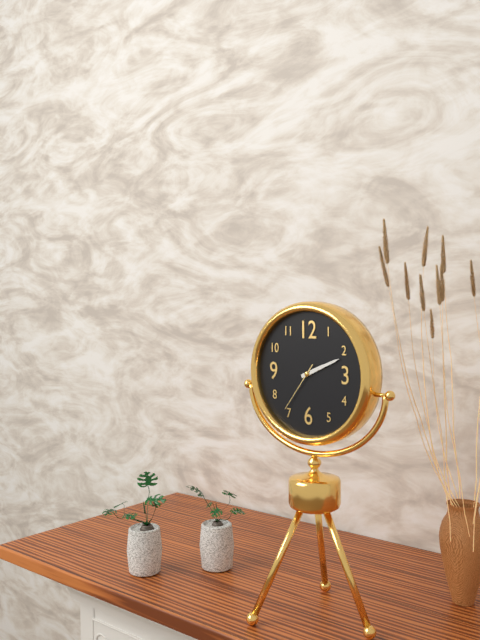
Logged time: **2:11:36**
